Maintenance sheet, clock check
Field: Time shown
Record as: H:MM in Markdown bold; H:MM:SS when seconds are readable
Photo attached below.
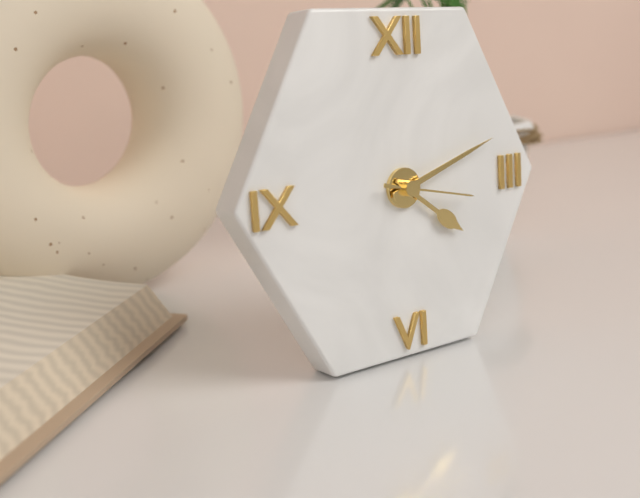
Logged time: **4:12:17**
